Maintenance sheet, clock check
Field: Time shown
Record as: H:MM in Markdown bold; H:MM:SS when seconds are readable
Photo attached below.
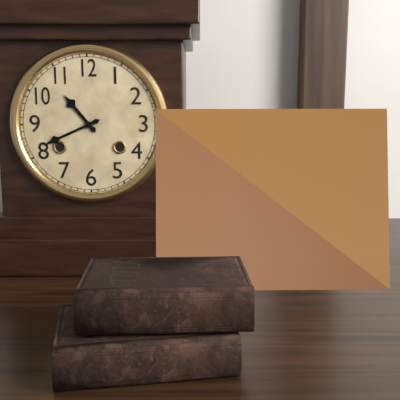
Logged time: **10:41**
